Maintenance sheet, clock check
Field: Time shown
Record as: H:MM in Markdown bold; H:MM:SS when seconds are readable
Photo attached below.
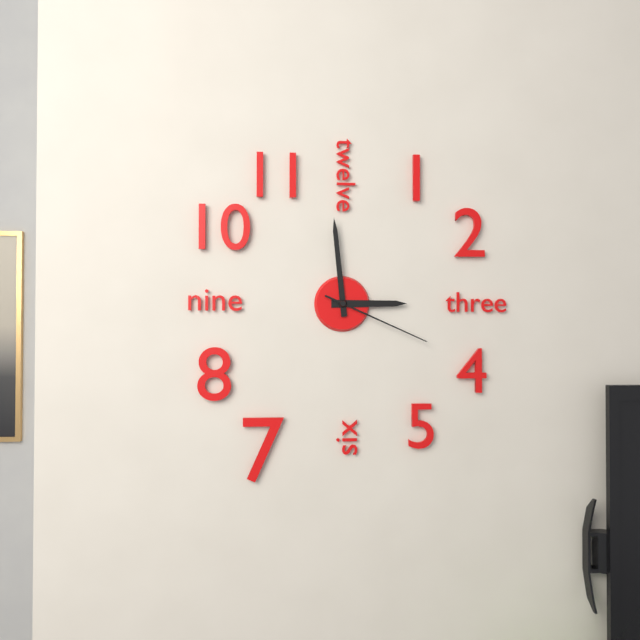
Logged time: **2:59:19**
